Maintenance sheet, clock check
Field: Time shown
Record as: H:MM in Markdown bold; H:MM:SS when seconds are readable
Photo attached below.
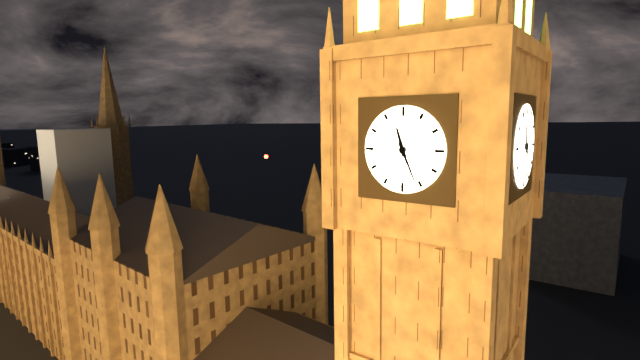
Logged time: **11:26**
